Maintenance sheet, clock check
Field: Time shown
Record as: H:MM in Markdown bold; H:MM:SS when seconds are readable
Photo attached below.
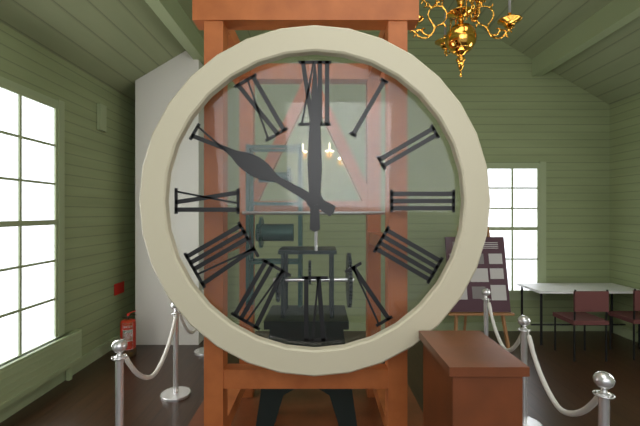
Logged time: **10:00**
